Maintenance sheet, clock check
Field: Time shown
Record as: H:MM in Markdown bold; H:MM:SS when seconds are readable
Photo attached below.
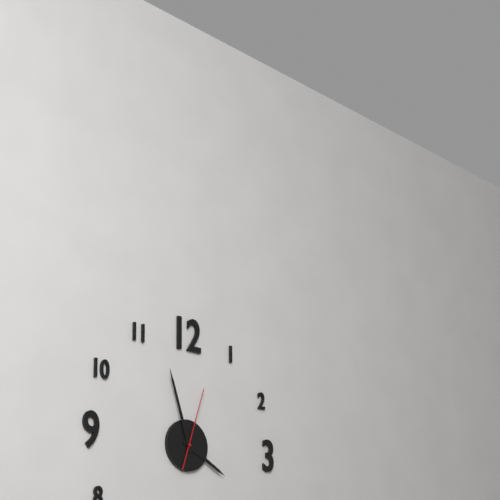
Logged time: **3:57:03**
